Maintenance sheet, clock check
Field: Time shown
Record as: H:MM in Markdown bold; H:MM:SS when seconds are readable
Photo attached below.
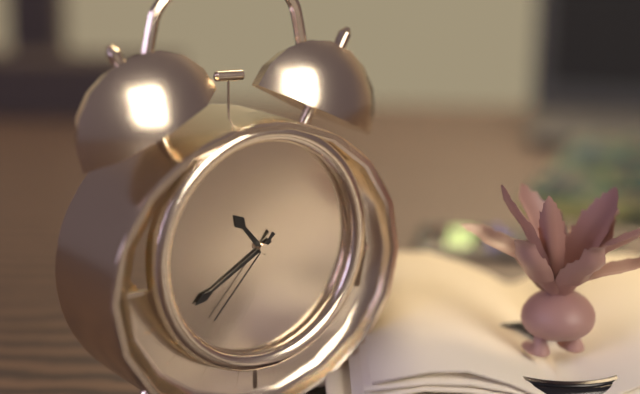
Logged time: **10:40:37**
